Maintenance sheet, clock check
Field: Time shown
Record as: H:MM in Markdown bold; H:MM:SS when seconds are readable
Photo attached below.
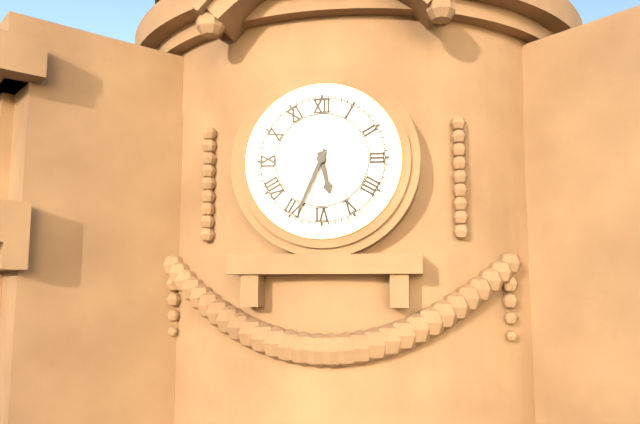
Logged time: **5:34**
